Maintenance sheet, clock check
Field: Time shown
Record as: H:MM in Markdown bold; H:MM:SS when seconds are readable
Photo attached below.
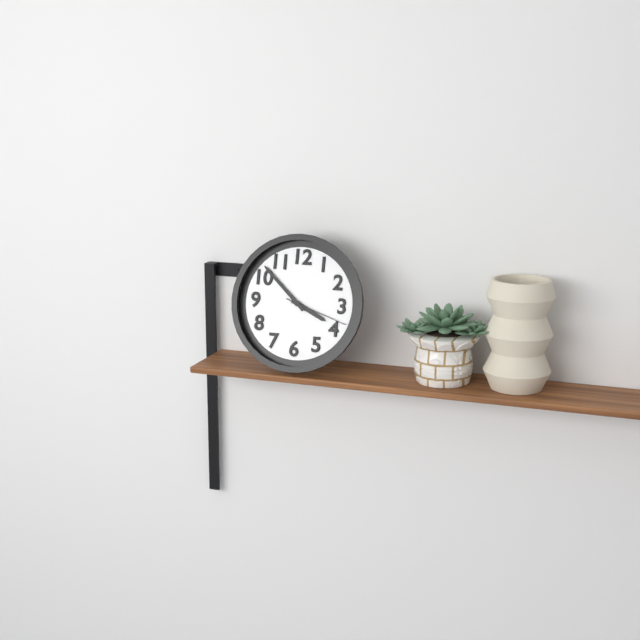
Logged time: **3:52:18**
